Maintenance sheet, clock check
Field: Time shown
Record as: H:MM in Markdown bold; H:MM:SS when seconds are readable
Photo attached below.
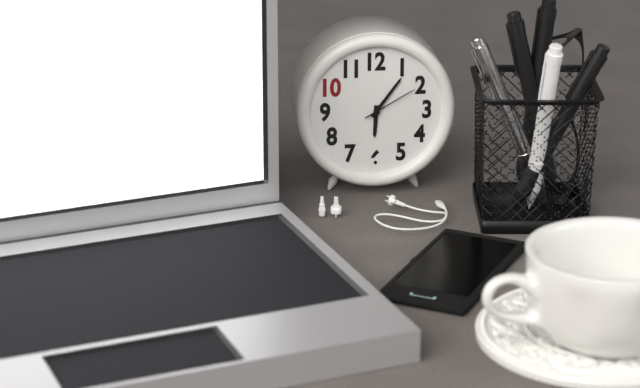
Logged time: **6:06:10**
